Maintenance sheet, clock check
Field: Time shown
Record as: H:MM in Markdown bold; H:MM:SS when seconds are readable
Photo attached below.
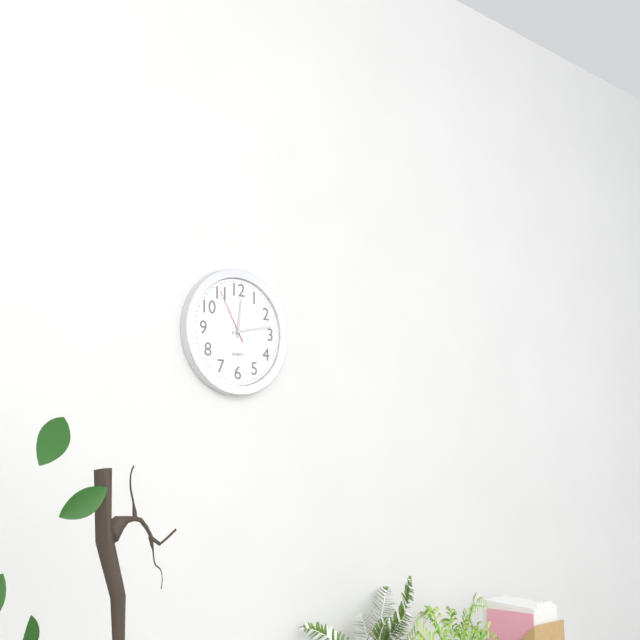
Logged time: **12:13:55**
